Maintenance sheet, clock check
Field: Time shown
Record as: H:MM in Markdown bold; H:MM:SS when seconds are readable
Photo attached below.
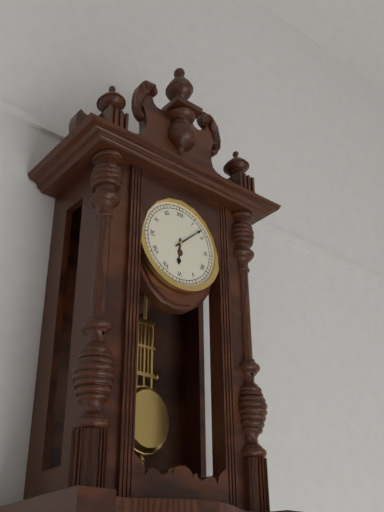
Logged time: **6:08**
